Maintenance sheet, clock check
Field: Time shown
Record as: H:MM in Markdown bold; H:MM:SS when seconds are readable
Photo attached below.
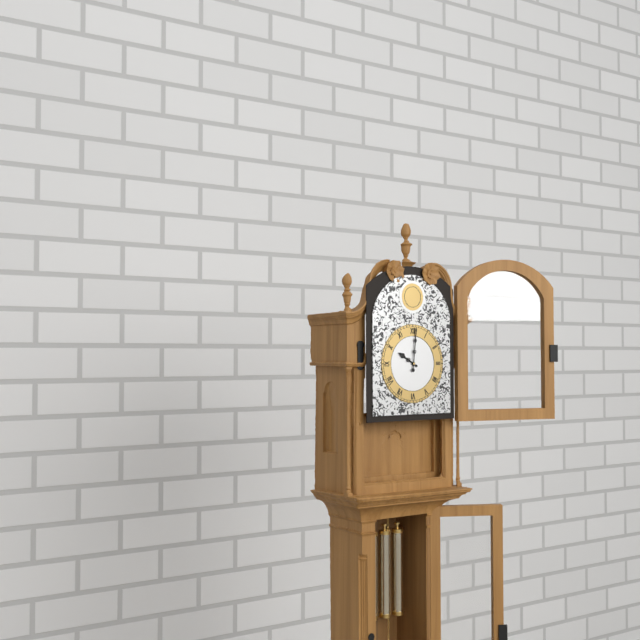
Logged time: **10:01**
